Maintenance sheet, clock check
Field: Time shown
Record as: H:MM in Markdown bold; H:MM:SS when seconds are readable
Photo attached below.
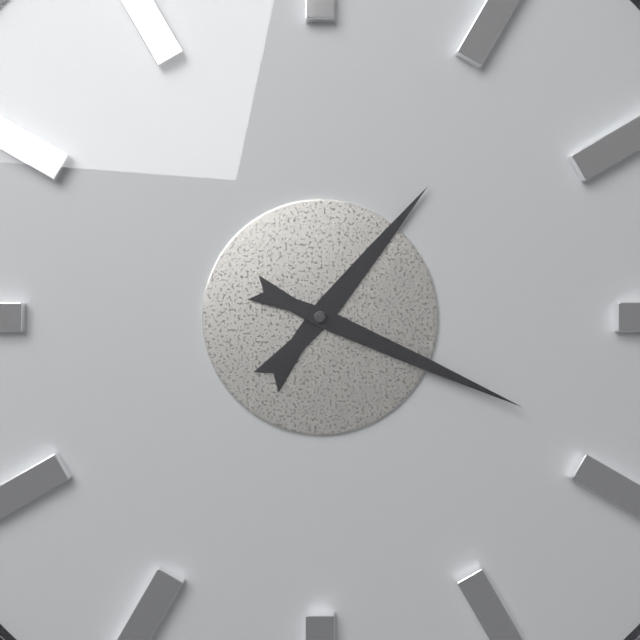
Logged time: **1:19**
